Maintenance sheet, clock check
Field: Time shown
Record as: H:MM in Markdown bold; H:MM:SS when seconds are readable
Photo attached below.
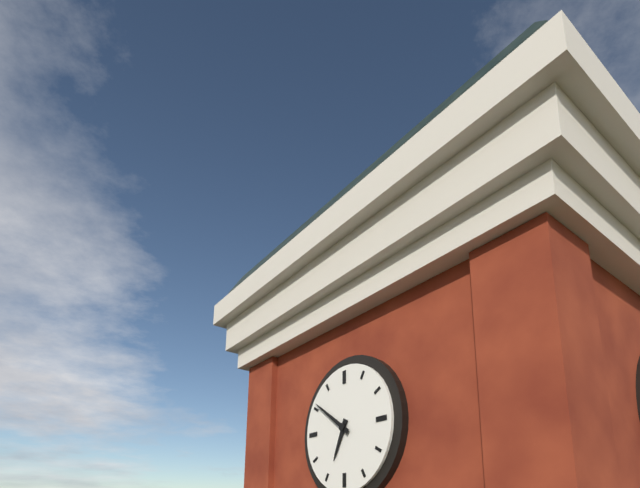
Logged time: **6:51**
